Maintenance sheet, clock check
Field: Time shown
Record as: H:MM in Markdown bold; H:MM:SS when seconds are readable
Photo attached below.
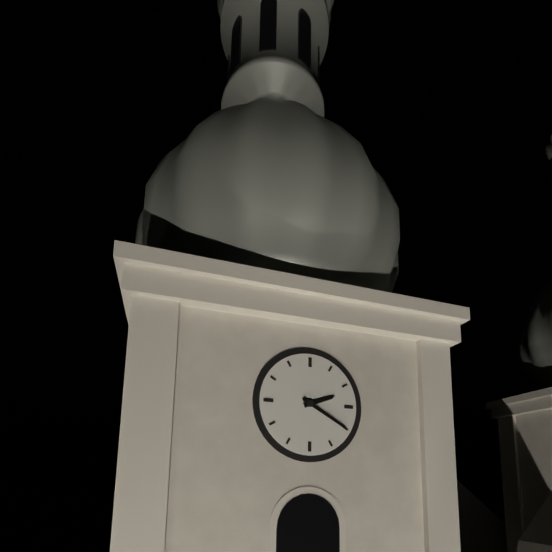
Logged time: **2:20**
